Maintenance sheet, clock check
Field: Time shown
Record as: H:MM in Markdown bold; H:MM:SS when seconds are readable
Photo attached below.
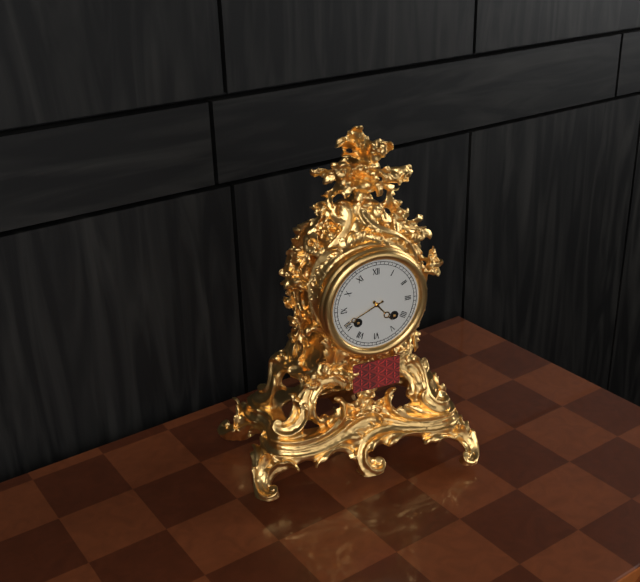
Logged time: **4:41**
